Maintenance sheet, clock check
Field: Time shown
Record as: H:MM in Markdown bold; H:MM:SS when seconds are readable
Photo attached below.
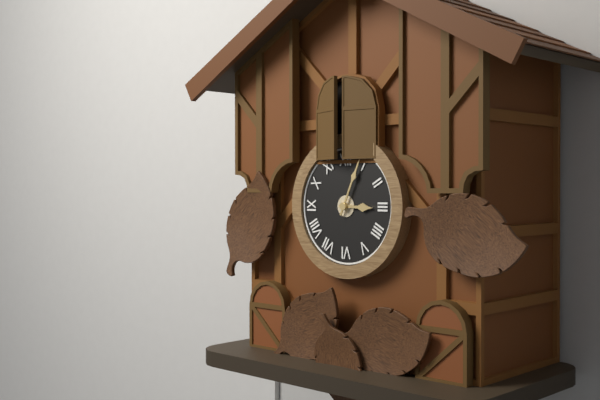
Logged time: **3:04**
